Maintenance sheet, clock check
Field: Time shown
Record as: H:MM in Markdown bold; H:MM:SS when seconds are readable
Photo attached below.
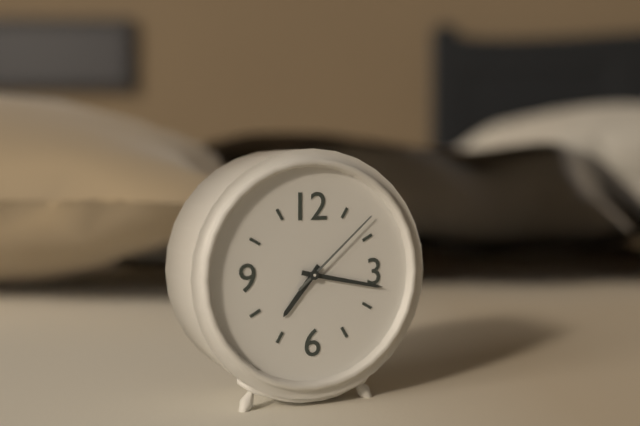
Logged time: **7:17:08**
